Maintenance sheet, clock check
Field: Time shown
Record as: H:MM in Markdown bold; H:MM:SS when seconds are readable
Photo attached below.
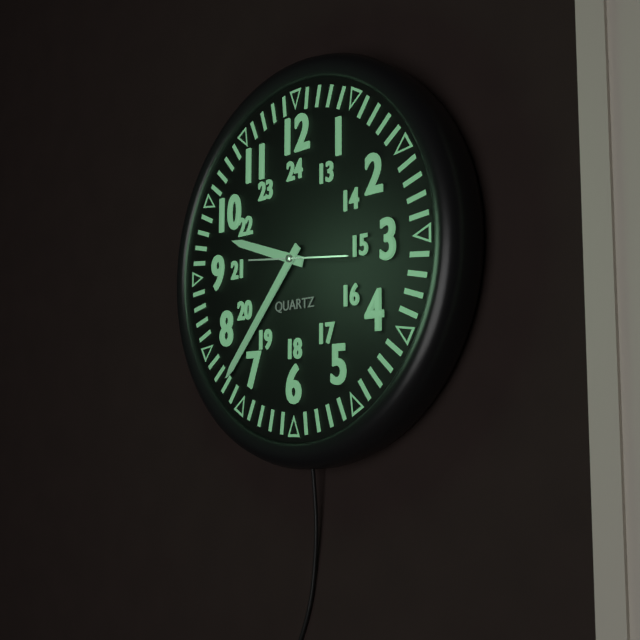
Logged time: **9:37**
